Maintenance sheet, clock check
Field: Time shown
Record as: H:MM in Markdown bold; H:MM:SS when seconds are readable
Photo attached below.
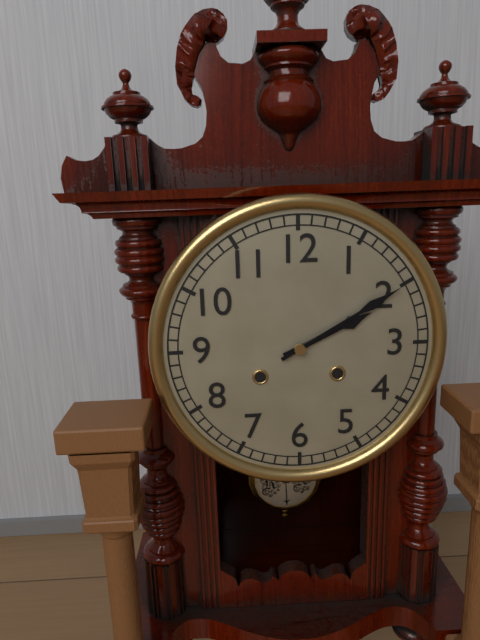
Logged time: **2:10**
